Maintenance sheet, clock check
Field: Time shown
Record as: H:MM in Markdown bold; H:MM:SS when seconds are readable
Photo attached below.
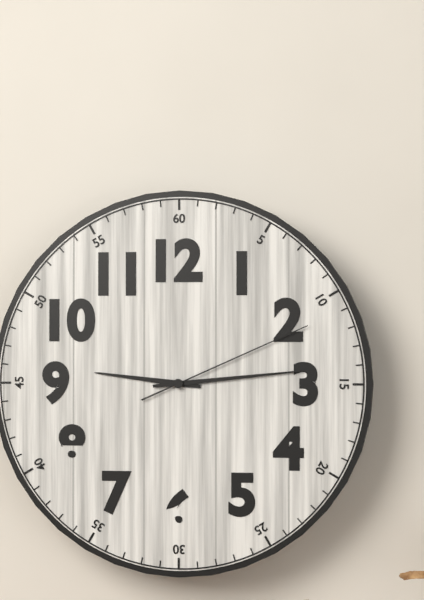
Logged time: **9:14:11**
